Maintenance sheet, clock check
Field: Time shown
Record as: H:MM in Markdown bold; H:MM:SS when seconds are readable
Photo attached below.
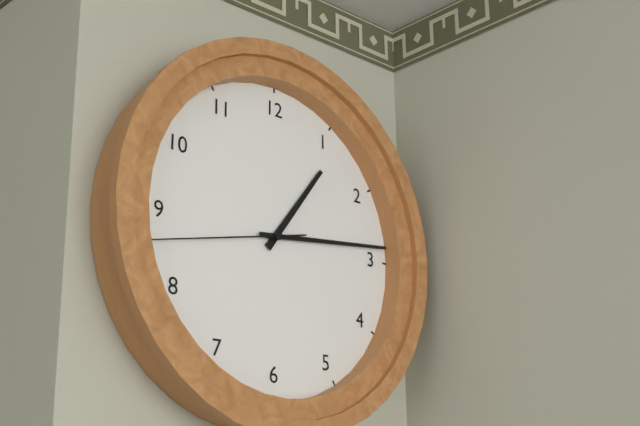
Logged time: **1:14:43**
